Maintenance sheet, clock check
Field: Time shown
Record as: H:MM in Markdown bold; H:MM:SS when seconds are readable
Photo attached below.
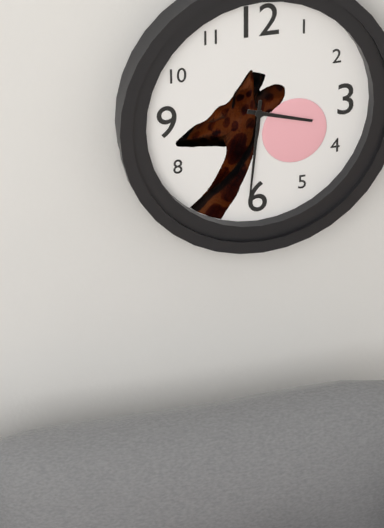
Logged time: **3:31**
